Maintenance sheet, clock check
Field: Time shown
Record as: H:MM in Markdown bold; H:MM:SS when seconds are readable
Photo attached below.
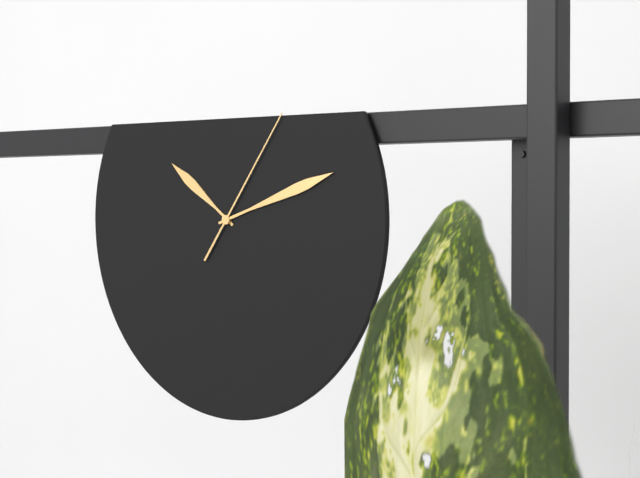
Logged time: **10:12:06**
